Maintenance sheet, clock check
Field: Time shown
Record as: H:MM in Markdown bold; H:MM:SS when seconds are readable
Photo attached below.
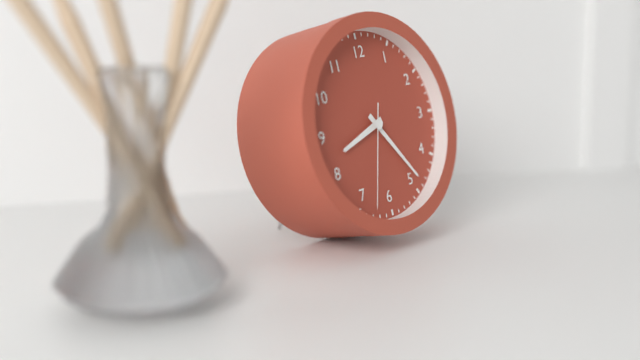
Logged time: **8:24:33**
